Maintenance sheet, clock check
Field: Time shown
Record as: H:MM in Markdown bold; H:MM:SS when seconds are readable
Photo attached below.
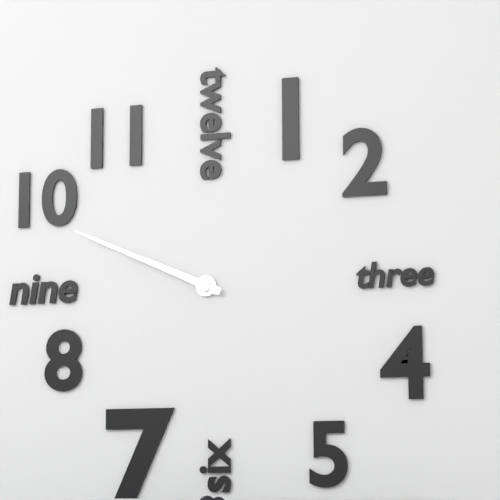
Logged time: **9:49**
